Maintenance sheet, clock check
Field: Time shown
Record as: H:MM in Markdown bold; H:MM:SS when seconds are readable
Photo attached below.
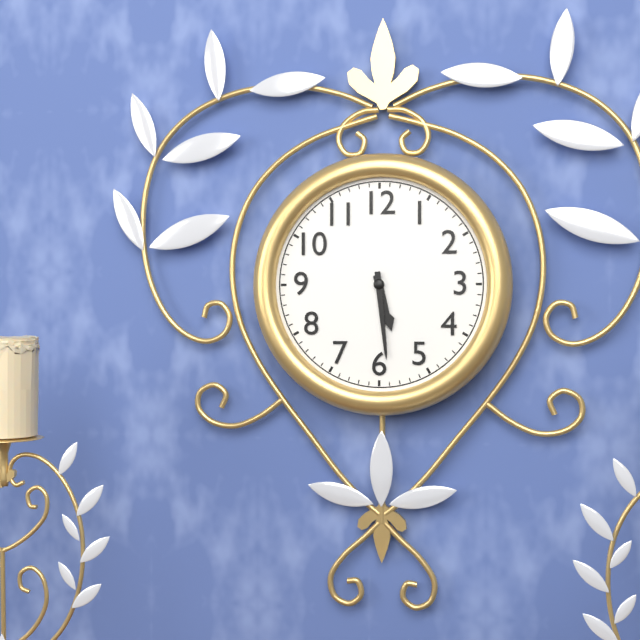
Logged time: **5:29**
